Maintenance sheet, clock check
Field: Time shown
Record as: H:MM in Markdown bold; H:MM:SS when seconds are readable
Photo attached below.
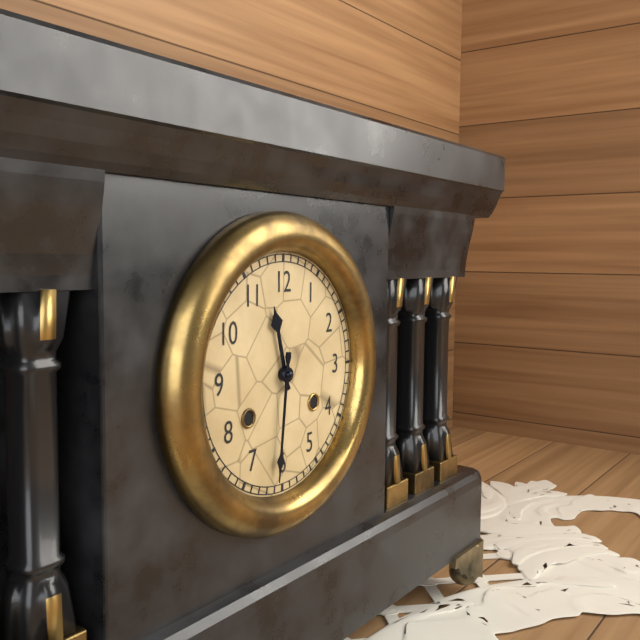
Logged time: **11:31**
